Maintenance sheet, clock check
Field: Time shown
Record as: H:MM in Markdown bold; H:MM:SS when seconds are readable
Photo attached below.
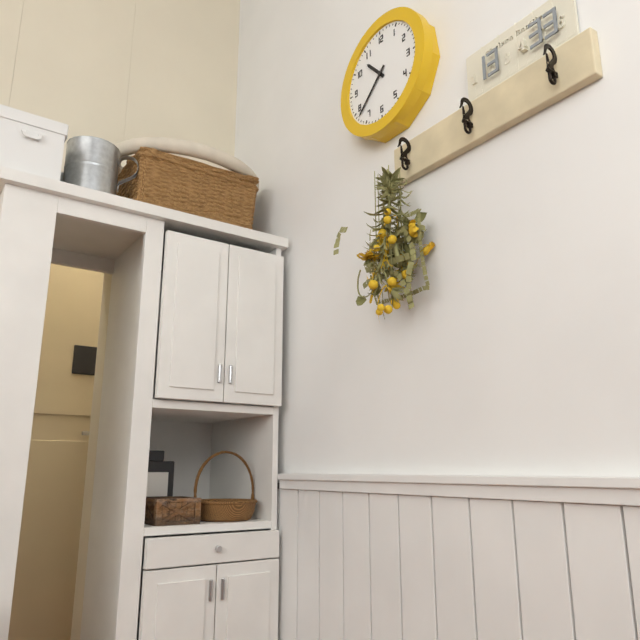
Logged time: **10:38**
